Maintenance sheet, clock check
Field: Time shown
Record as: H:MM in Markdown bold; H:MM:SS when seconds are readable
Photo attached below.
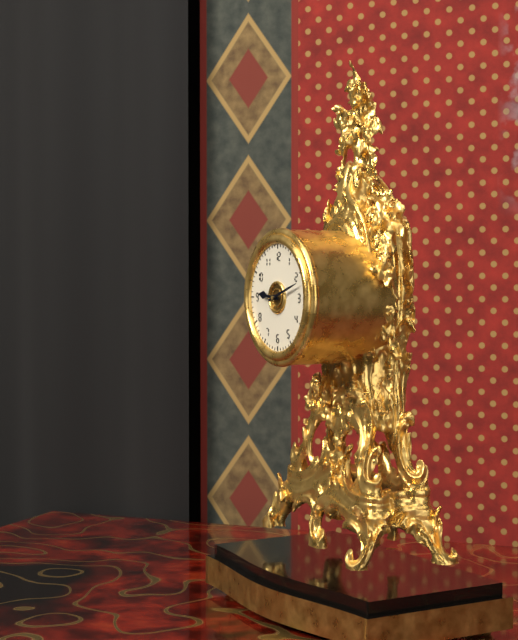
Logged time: **9:12**
